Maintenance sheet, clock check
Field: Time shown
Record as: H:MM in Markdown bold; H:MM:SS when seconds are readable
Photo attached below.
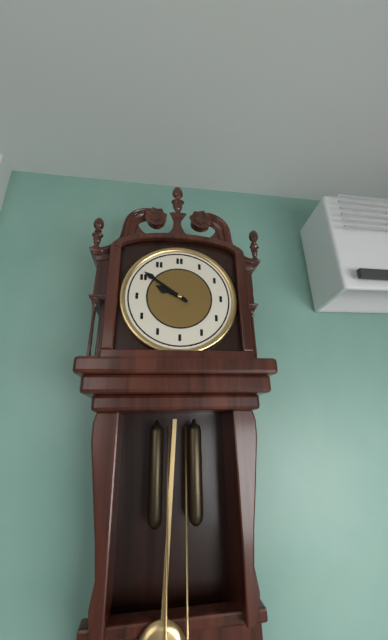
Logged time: **9:51**
